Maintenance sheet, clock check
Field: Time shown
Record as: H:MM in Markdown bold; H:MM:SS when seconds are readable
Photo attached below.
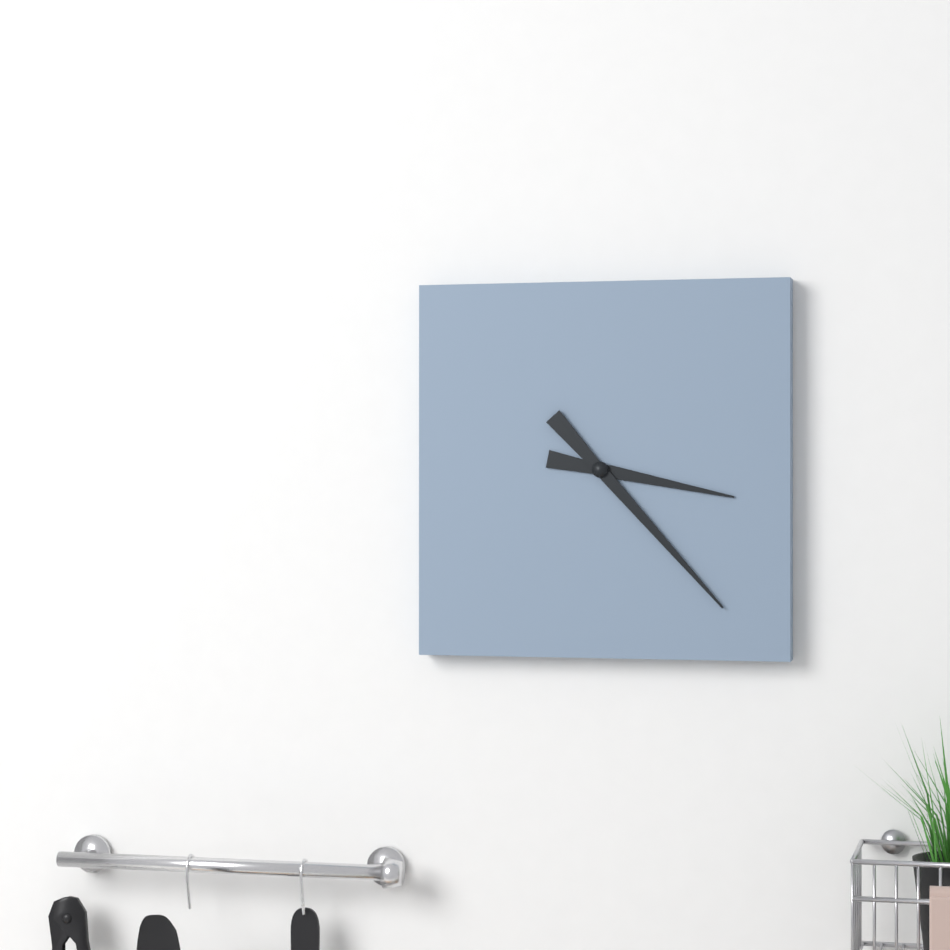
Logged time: **3:23**
